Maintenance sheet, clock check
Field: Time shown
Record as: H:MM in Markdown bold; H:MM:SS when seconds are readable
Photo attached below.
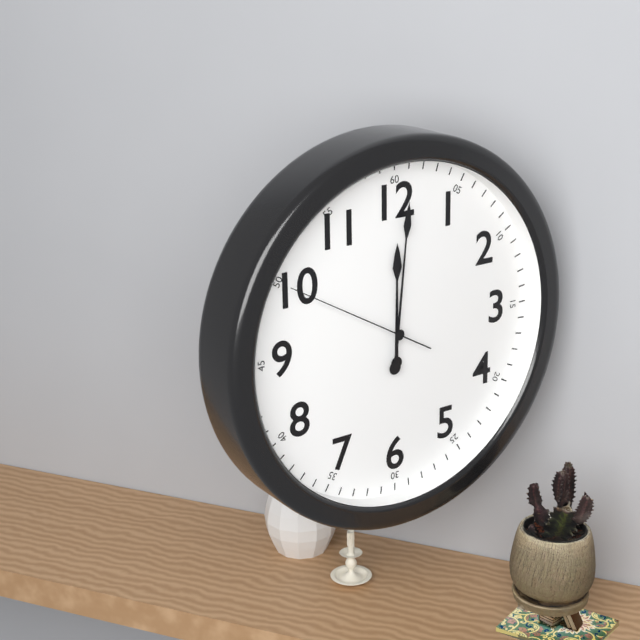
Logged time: **12:01:50**
